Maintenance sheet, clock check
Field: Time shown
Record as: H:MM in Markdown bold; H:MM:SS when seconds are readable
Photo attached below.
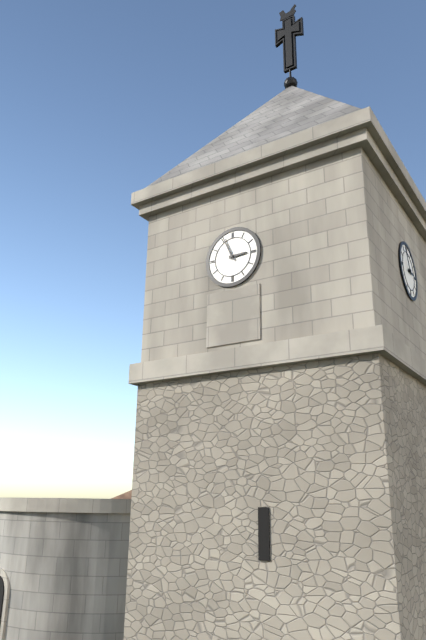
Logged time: **2:56**
